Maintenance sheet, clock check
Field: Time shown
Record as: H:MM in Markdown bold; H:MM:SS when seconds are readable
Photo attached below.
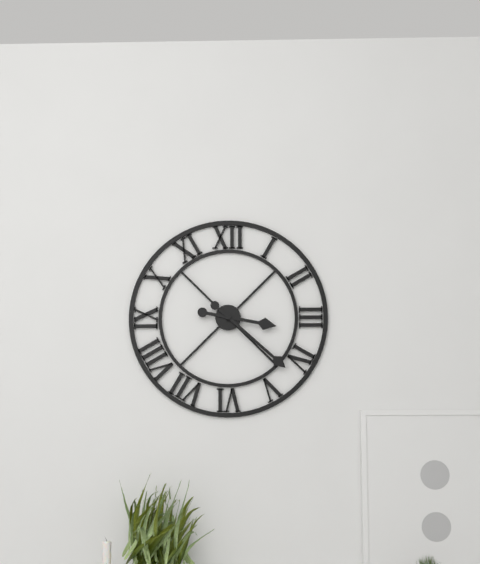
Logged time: **3:22**
